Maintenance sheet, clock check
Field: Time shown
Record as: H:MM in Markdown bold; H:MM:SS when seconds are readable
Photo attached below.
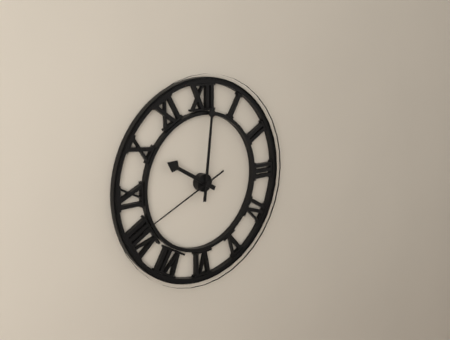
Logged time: **10:01:41**
